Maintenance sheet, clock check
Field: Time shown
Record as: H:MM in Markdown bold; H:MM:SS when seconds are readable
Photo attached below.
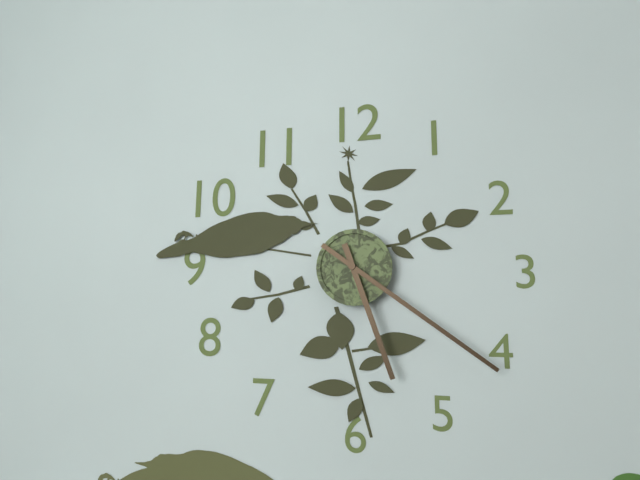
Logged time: **5:21**
